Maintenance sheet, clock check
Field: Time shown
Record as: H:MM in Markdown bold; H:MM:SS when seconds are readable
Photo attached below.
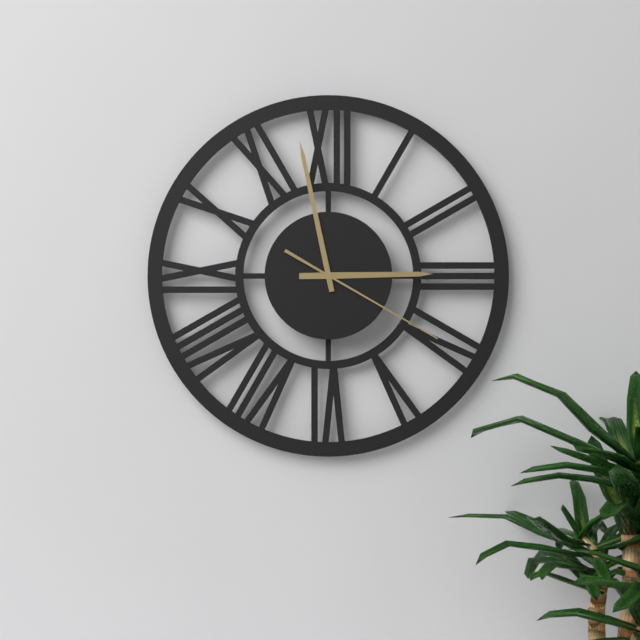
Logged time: **2:58:20**
